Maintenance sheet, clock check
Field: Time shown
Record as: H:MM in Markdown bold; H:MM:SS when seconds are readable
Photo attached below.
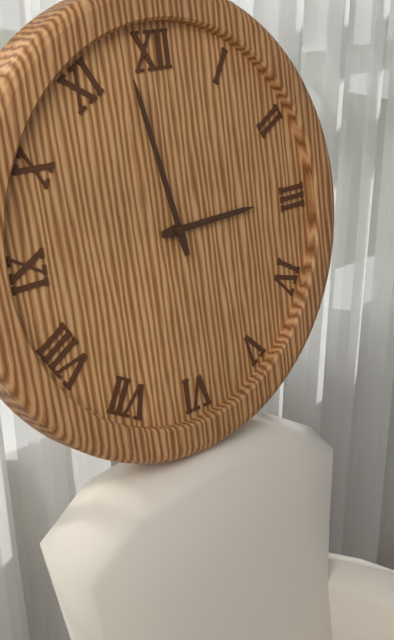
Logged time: **2:58**
